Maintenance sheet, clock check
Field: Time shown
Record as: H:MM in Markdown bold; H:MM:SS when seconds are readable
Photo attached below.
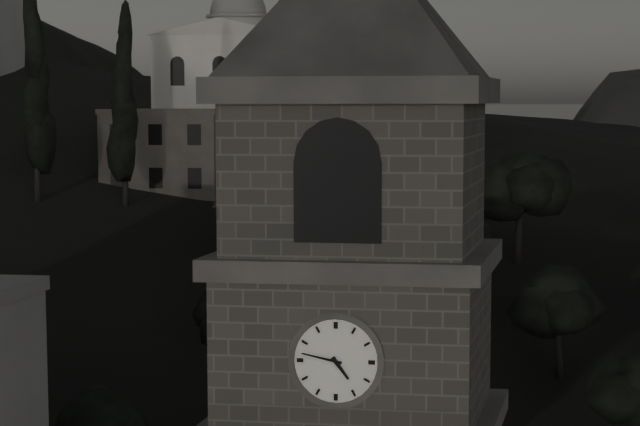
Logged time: **4:47**
